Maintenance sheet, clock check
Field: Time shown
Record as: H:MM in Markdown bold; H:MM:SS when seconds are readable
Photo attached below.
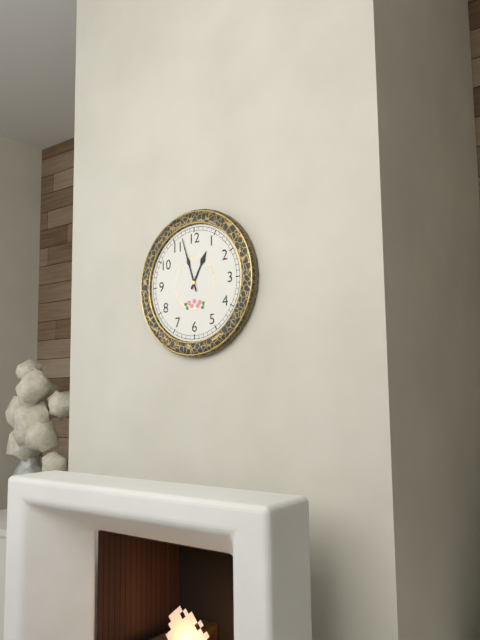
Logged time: **12:57**
